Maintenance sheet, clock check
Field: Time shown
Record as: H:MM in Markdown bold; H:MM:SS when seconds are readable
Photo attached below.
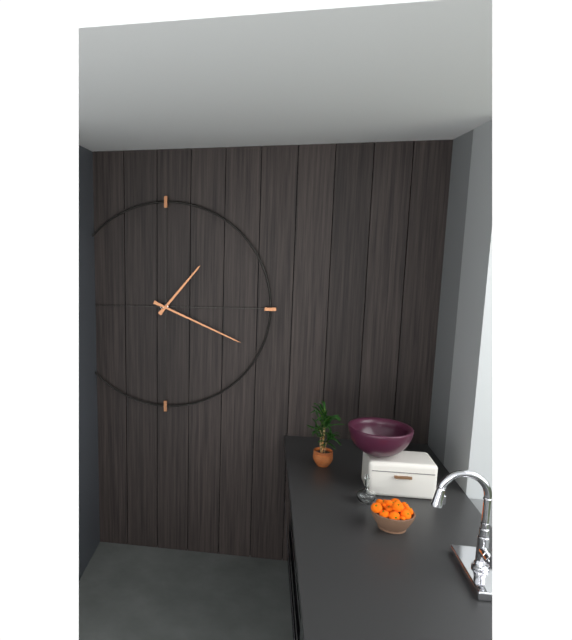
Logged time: **1:19**
